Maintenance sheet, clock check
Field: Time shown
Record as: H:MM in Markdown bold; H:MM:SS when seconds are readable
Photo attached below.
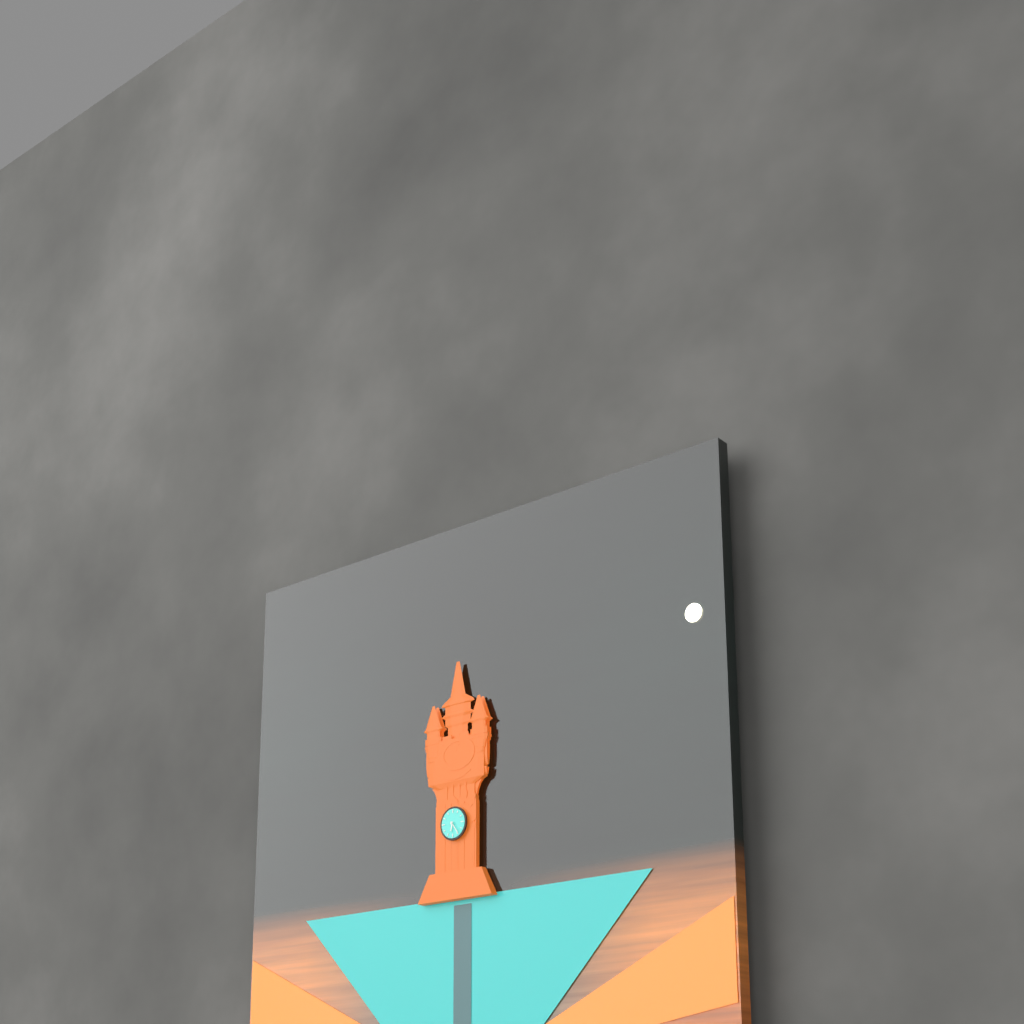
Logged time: **6:24**
